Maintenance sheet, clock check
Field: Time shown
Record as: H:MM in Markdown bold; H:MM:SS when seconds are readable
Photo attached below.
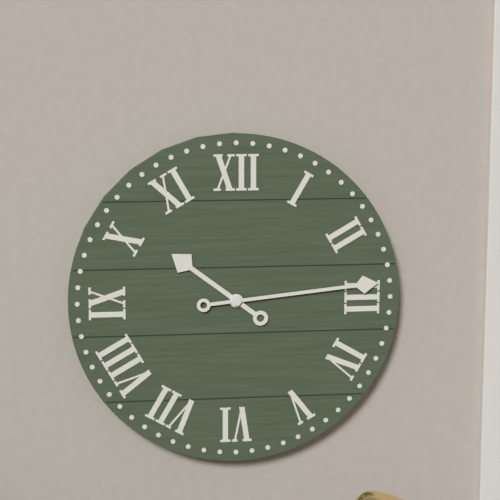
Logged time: **10:14**
